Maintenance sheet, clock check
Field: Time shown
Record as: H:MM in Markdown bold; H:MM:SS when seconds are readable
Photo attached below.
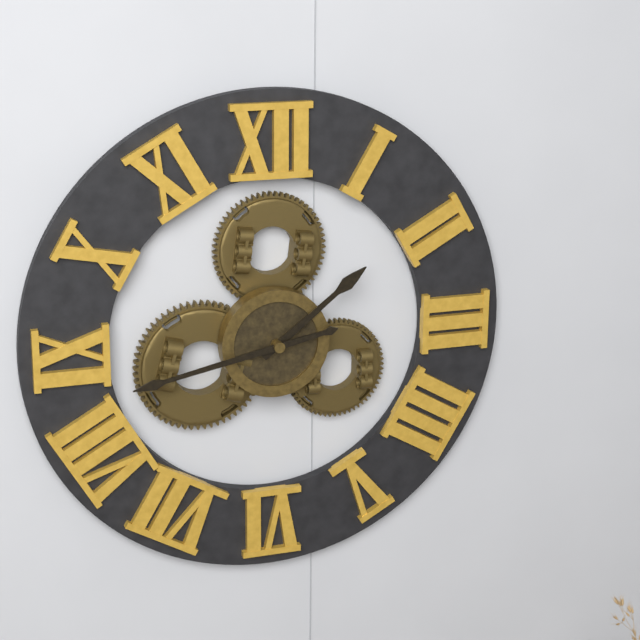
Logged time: **1:43**
